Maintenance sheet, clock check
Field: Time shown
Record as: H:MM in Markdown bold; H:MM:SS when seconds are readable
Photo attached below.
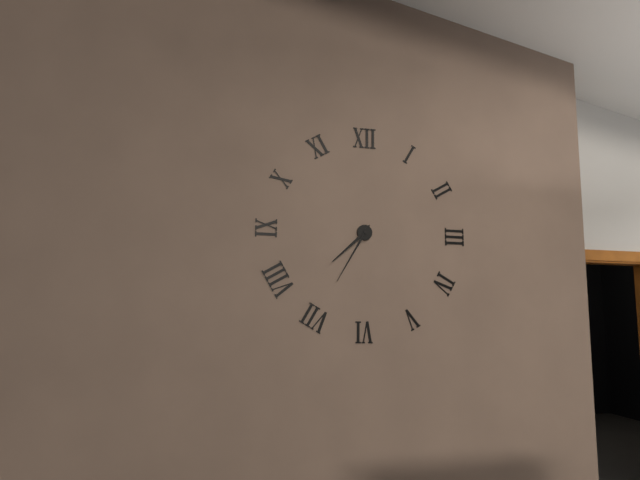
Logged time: **7:35**
